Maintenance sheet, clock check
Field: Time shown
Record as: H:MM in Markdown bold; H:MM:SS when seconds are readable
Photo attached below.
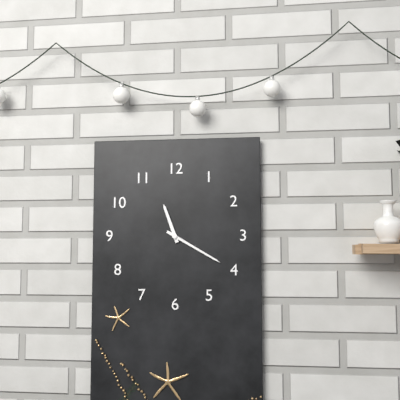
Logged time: **11:20**
